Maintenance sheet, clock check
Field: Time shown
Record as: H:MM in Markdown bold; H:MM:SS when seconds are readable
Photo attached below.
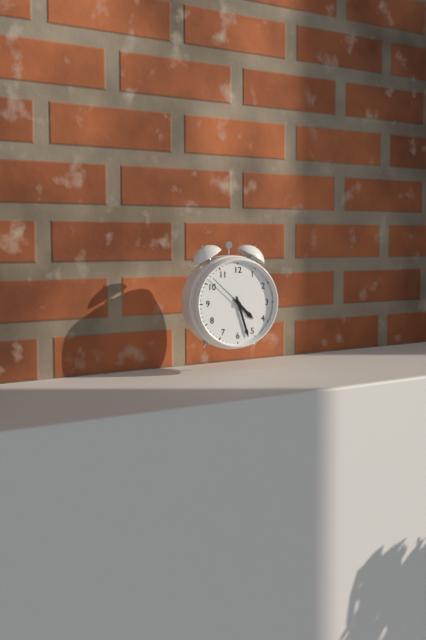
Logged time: **4:27**
